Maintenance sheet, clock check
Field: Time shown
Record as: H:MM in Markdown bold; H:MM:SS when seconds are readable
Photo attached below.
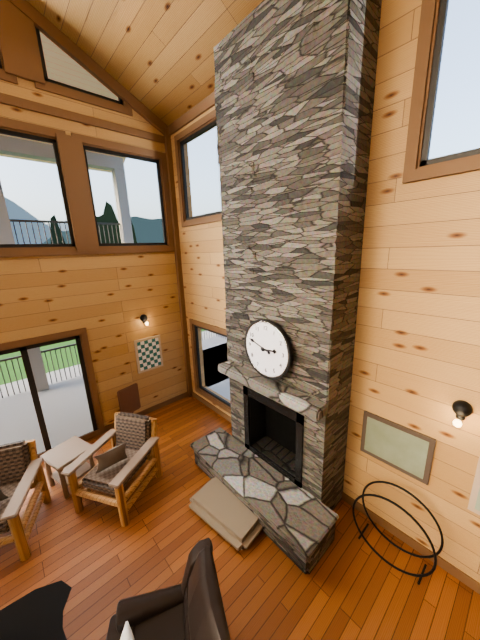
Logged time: **2:48**
